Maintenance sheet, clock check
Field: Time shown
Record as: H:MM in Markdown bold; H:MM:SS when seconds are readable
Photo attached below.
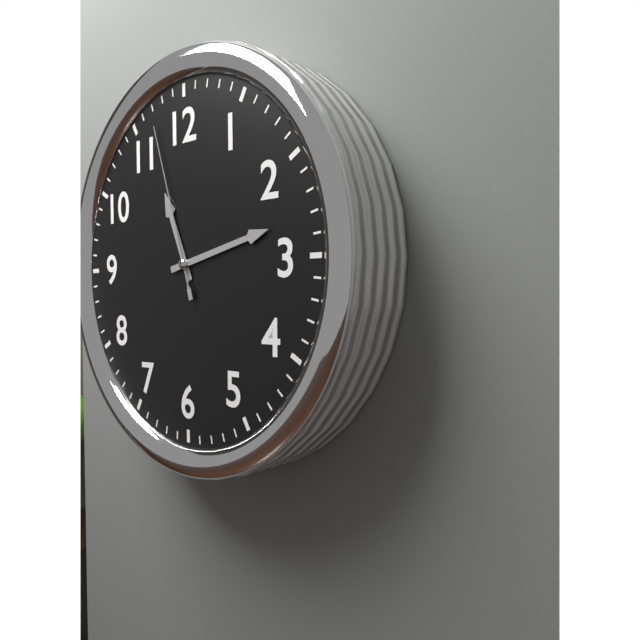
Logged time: **11:13:57**
